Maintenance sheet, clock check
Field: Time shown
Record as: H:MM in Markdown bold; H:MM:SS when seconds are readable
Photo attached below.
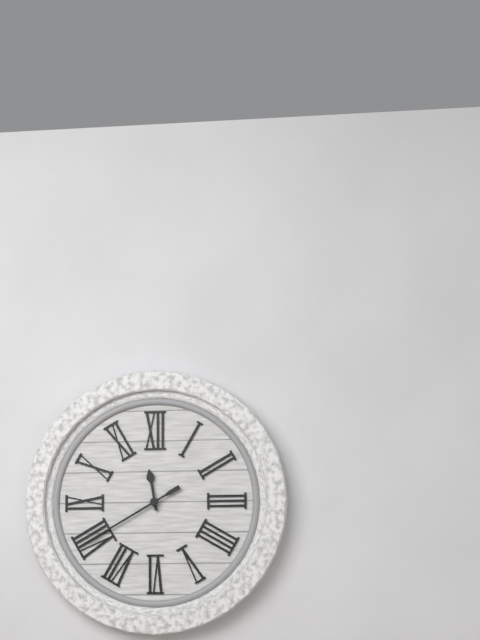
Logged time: **11:40**
